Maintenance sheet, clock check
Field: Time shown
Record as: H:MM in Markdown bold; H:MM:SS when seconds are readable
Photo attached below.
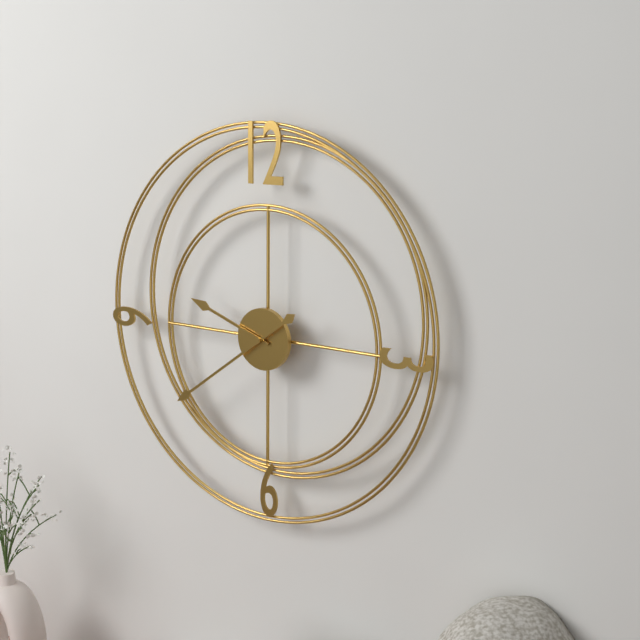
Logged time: **9:39**
